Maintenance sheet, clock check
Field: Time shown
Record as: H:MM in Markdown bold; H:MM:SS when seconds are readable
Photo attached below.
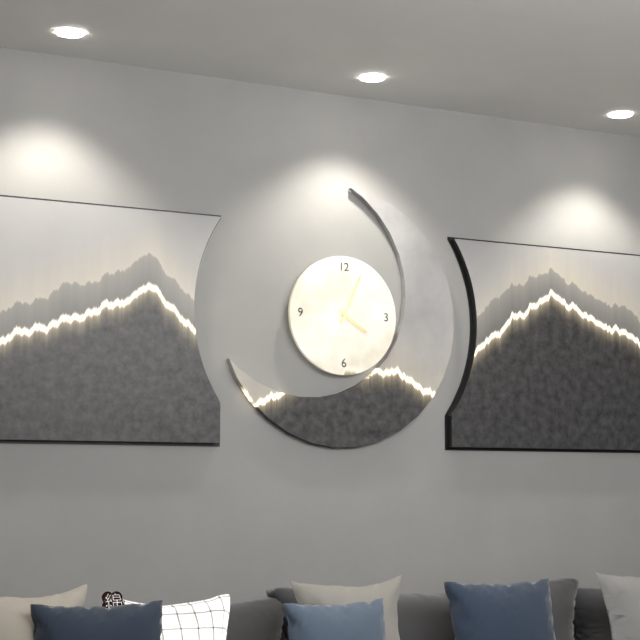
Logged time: **4:04**
